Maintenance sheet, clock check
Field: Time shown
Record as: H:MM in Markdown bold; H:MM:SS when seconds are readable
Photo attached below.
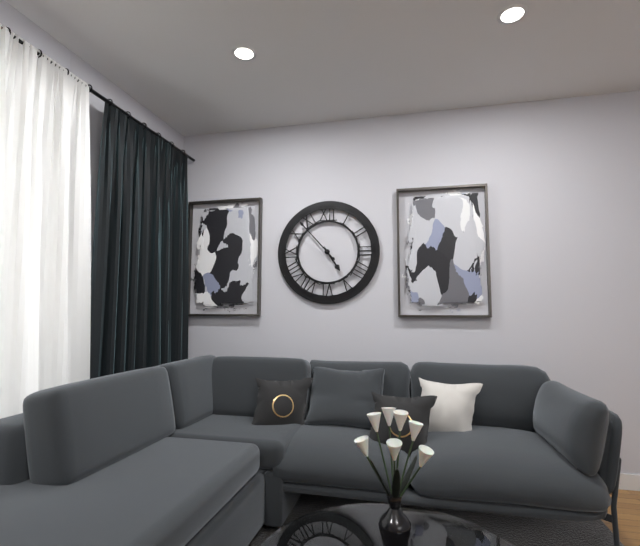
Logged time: **4:53**
